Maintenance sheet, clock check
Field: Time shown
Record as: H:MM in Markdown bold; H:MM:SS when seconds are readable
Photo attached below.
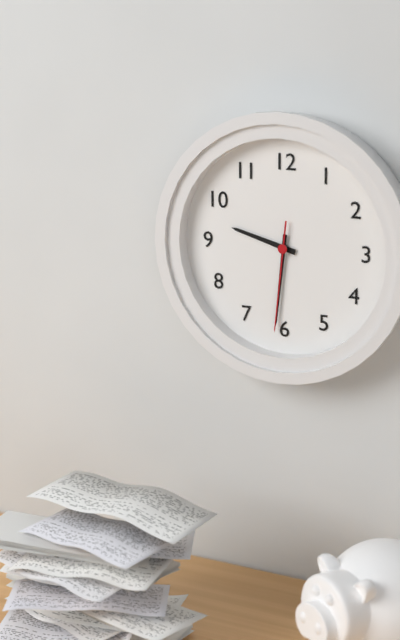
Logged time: **9:31:31**
